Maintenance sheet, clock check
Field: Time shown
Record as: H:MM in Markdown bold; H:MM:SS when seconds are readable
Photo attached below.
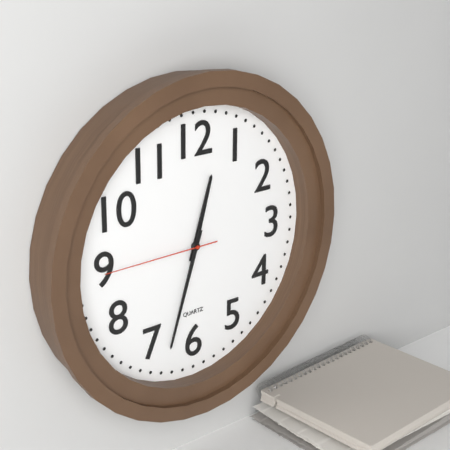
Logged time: **12:33:45**
